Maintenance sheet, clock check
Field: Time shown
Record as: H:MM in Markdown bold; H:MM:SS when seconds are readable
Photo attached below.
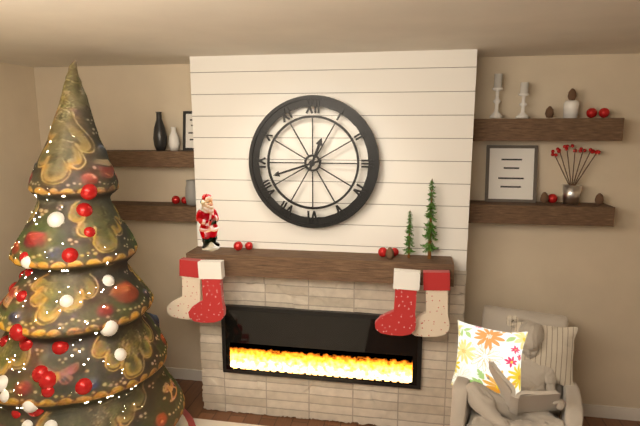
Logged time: **12:42**
